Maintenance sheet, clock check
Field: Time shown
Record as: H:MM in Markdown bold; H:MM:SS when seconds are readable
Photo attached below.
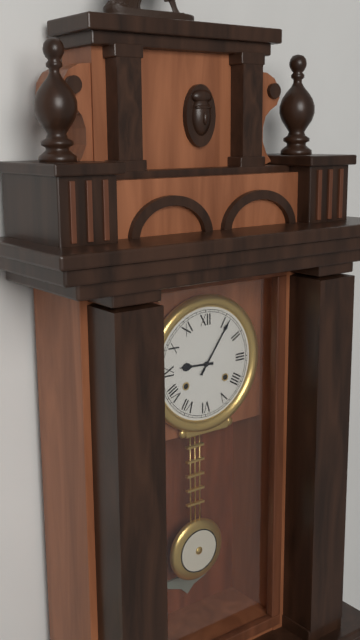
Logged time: **9:06**
